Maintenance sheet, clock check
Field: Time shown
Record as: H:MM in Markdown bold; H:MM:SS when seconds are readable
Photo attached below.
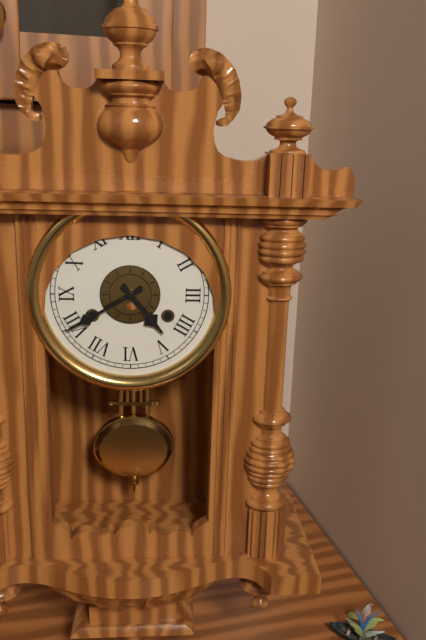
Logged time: **4:40**
